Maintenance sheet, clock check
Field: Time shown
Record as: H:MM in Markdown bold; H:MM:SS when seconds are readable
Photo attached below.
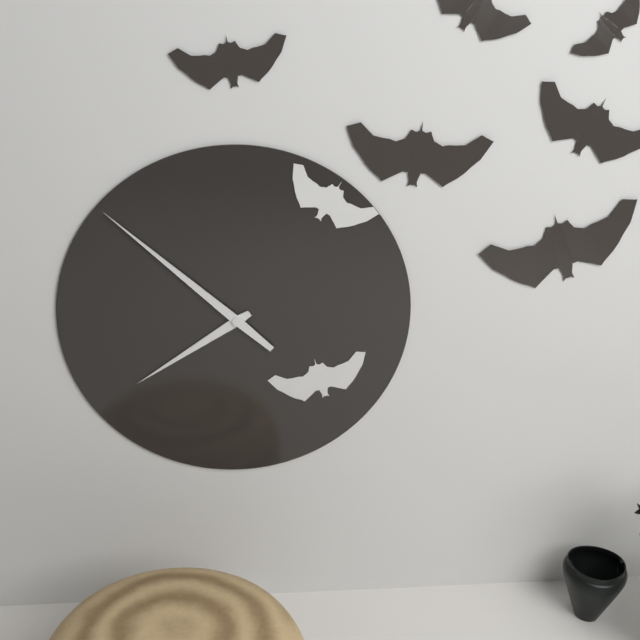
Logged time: **7:52**
